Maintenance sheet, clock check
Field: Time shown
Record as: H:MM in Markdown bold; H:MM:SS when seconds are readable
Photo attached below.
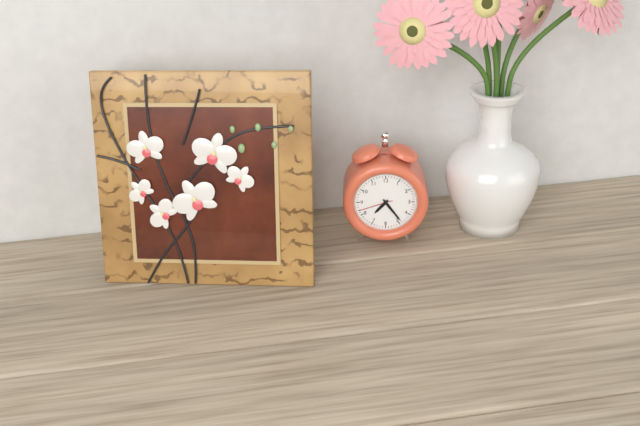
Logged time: **7:24**
